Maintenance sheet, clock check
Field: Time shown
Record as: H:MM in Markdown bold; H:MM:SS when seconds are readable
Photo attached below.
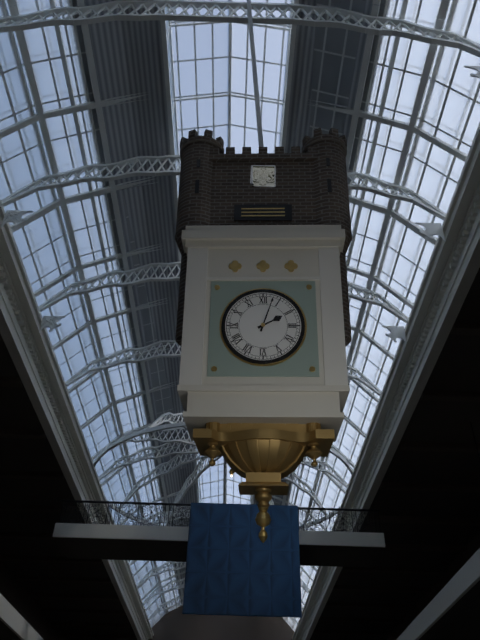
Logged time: **2:03**
